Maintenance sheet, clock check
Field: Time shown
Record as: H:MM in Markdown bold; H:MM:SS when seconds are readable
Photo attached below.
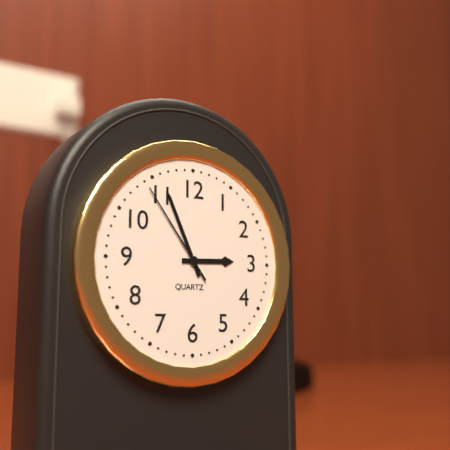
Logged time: **2:56:54**
